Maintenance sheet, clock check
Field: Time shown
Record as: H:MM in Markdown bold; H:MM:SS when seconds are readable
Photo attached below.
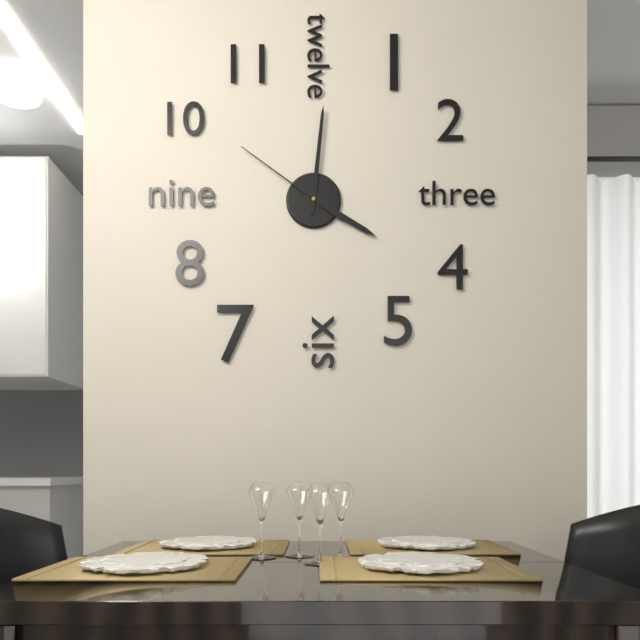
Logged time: **4:01:51**
